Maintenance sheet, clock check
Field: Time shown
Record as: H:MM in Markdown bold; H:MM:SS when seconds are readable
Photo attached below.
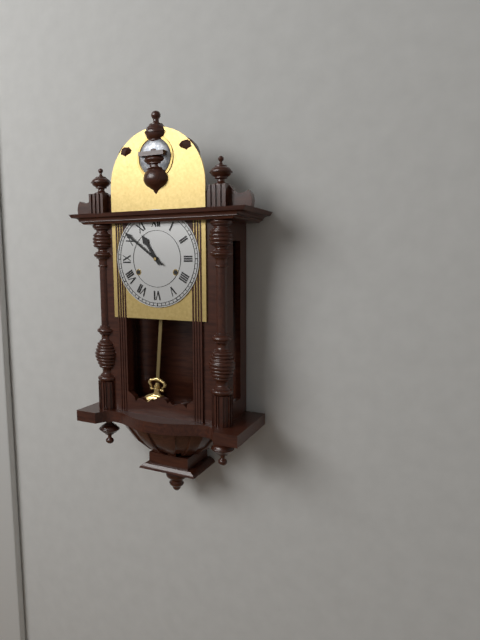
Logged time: **10:51**
